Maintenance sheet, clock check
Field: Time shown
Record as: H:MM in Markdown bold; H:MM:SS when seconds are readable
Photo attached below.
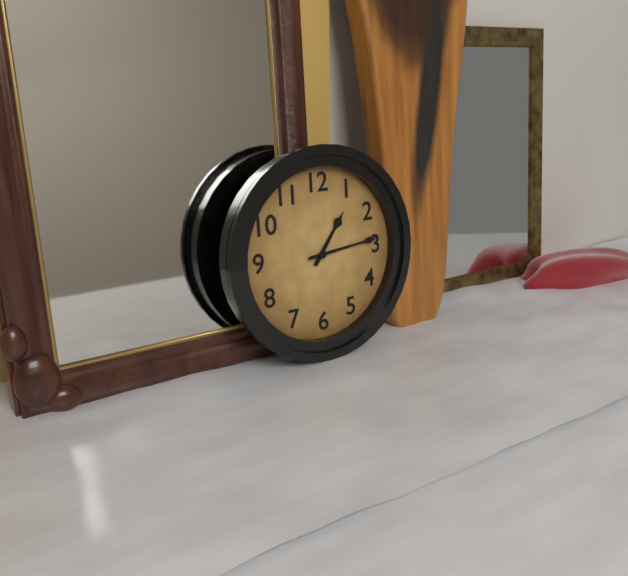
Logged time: **1:14**
